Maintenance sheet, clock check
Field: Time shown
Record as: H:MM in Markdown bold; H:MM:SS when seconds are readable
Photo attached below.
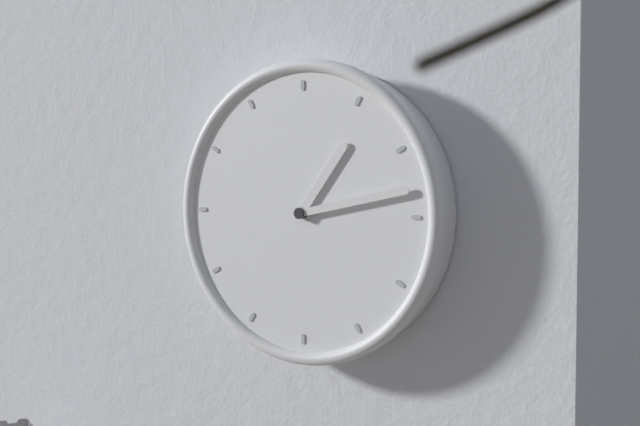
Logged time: **1:13**
